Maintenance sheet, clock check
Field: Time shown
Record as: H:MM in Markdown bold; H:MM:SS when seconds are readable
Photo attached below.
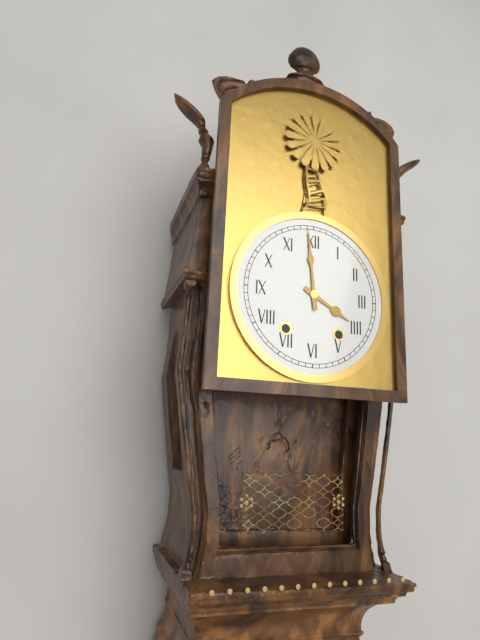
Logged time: **3:59**
